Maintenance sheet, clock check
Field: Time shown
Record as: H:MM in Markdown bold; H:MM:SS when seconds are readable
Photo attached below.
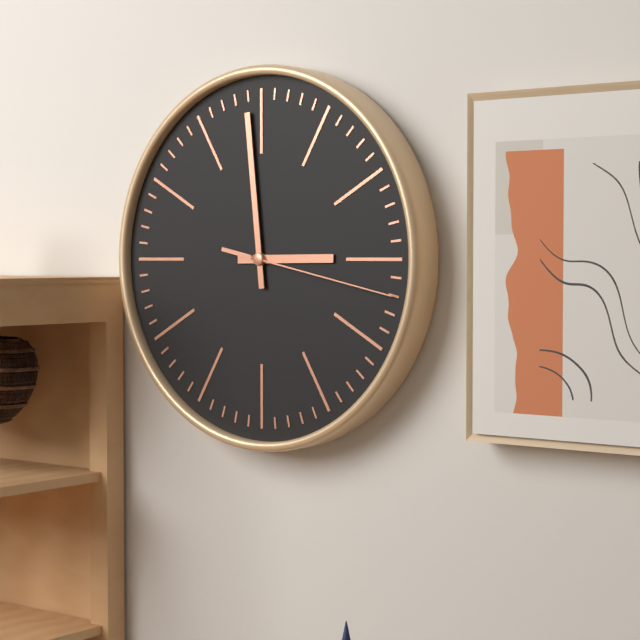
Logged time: **2:59:17**
